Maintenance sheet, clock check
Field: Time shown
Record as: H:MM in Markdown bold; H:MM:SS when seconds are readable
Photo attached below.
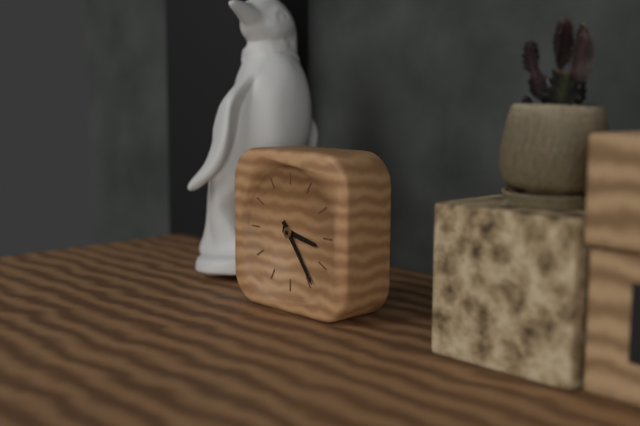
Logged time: **3:24**
